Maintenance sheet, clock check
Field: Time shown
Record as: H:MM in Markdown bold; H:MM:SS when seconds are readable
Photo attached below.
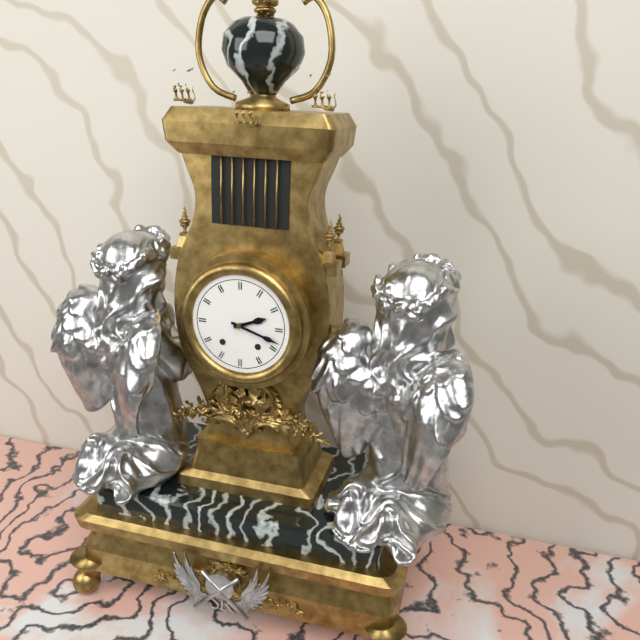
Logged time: **2:18**
